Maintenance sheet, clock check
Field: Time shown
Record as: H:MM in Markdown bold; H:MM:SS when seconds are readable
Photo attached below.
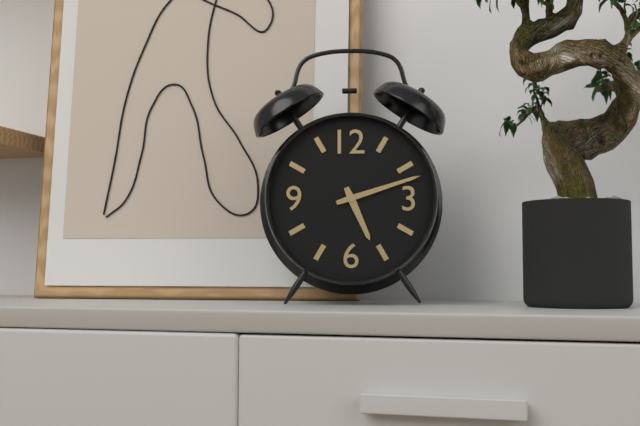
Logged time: **5:12**
